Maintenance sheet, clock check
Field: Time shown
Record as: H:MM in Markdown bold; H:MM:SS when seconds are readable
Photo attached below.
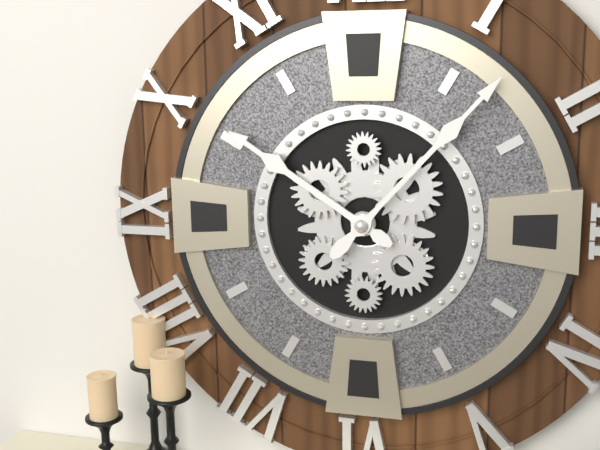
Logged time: **10:07**
